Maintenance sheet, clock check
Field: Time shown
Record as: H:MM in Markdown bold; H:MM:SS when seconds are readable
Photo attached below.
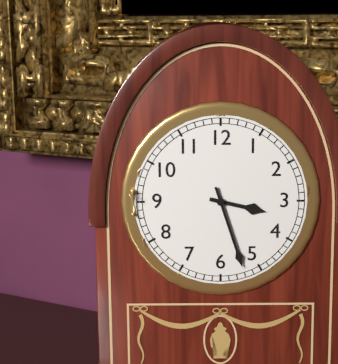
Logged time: **3:27**
